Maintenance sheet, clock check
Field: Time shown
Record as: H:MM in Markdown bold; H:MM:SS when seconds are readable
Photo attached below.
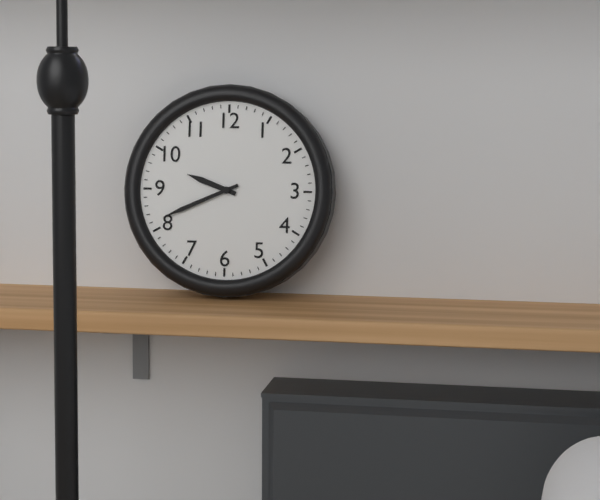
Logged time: **9:41**
